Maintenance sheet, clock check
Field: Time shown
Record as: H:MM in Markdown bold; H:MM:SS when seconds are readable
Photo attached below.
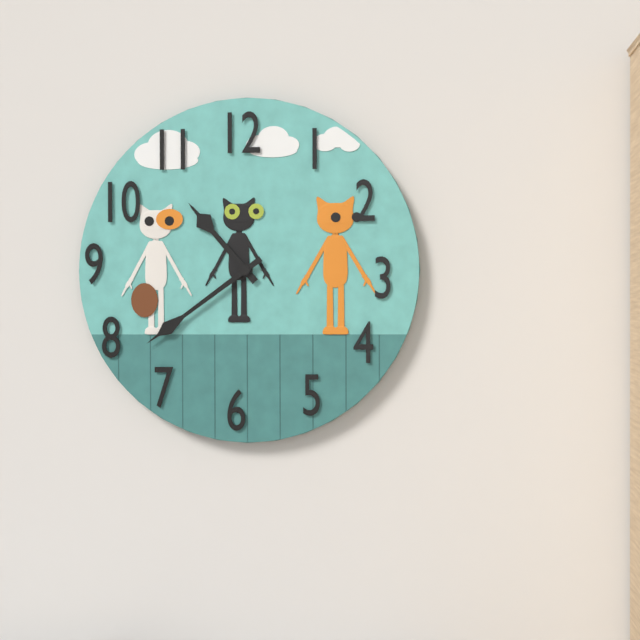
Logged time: **10:39**
